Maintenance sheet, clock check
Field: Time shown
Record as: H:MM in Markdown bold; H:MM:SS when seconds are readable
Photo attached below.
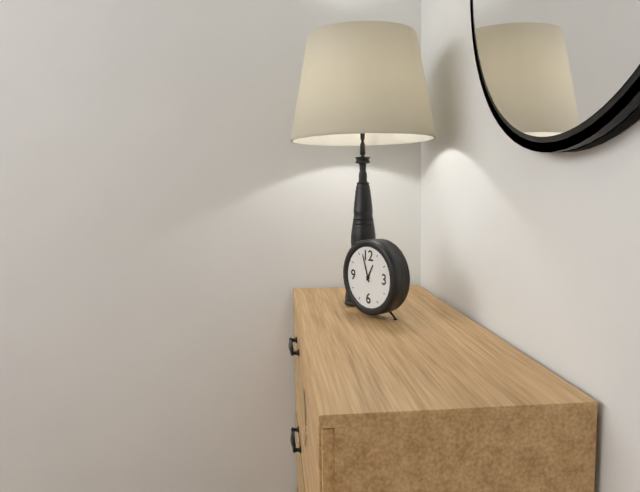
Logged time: **12:57**
